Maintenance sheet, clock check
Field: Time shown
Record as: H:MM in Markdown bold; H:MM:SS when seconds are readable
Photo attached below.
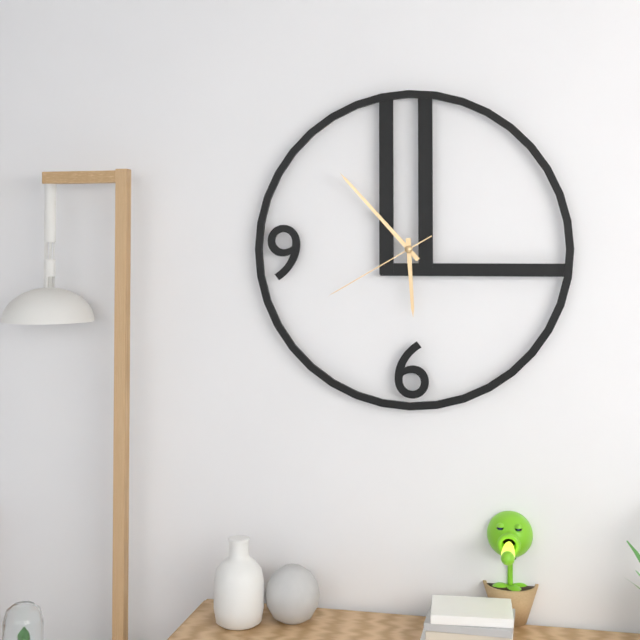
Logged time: **5:53:40**
